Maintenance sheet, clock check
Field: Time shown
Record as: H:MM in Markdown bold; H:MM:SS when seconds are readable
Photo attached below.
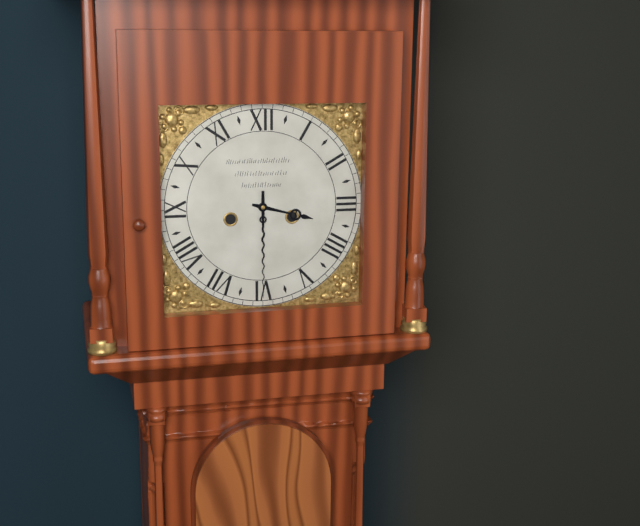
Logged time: **3:30**
